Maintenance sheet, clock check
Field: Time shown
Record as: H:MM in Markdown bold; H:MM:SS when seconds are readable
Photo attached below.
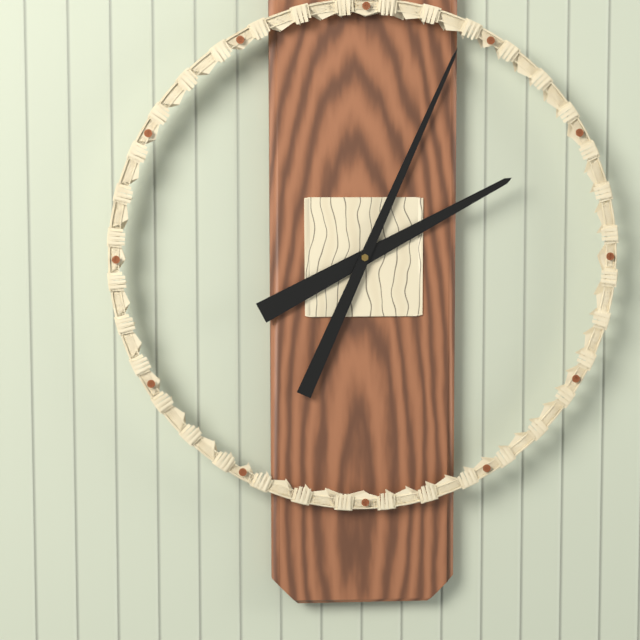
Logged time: **2:04**
